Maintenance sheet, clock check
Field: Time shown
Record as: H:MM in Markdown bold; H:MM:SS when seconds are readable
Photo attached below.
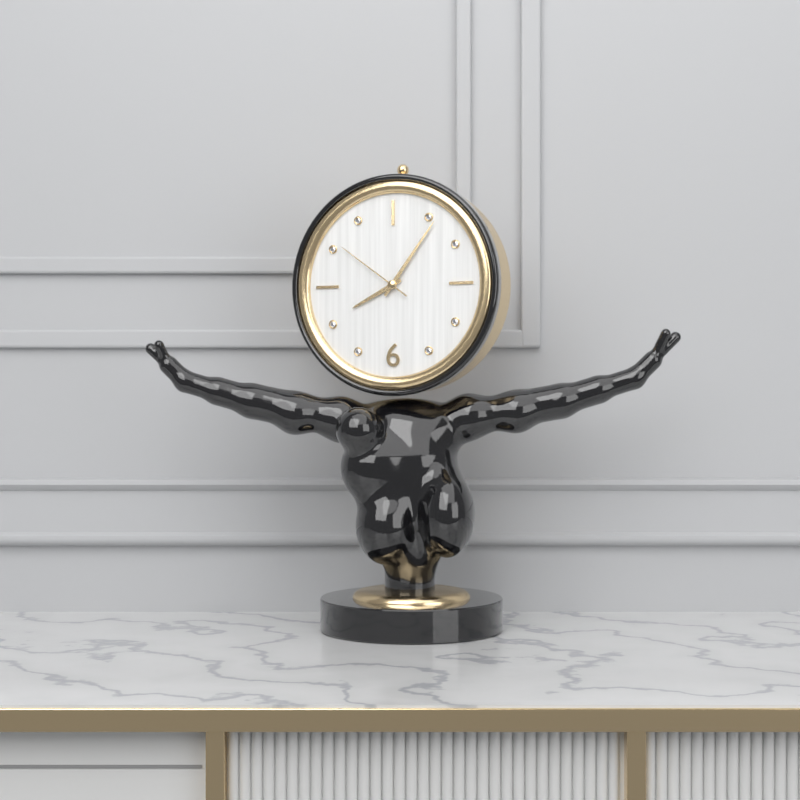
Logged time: **8:06:51**
